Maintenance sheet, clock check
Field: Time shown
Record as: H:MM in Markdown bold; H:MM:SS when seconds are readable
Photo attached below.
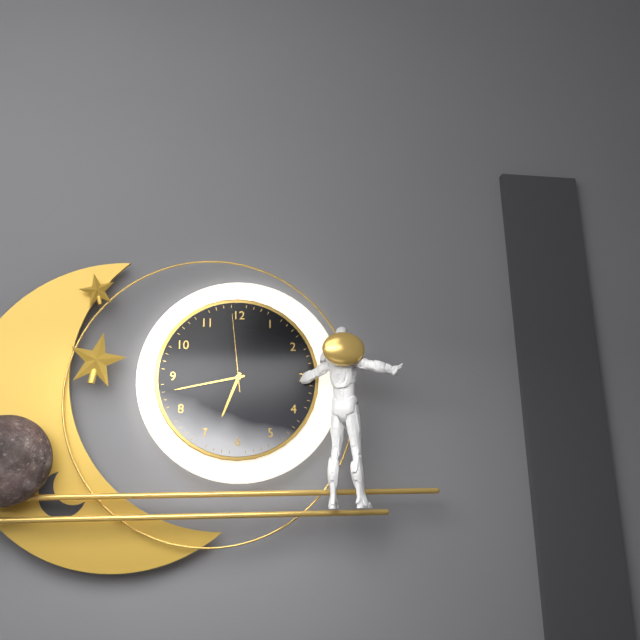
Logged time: **6:43:59**
